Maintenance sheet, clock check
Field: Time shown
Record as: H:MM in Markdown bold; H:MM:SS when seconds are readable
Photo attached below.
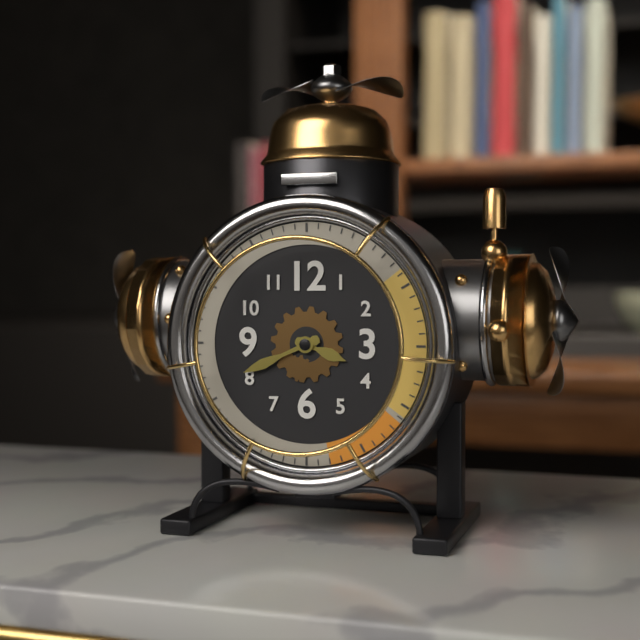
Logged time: **3:41**
